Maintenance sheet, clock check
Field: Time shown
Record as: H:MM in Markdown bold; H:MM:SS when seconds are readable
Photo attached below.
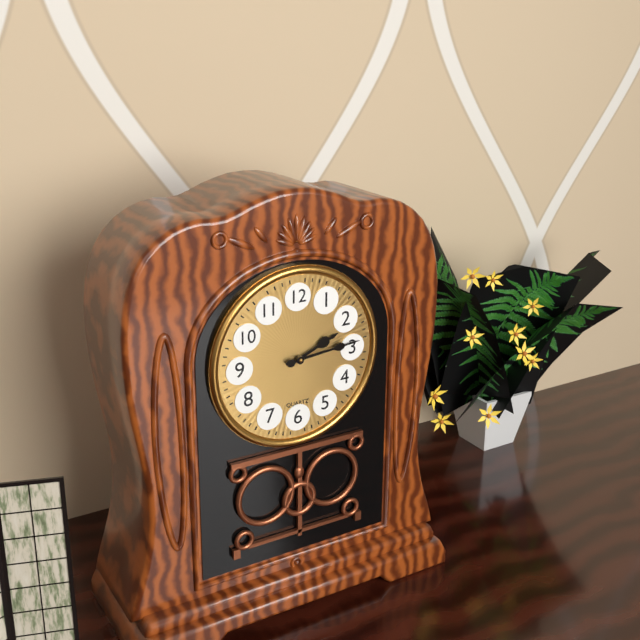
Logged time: **2:14**
